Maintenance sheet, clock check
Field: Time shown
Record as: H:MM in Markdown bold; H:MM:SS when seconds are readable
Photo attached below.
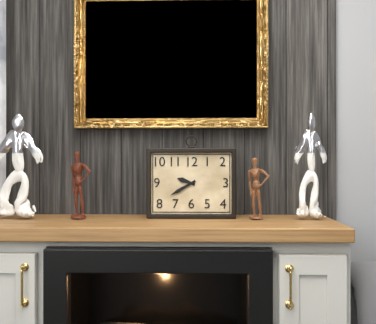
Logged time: **9:40**
